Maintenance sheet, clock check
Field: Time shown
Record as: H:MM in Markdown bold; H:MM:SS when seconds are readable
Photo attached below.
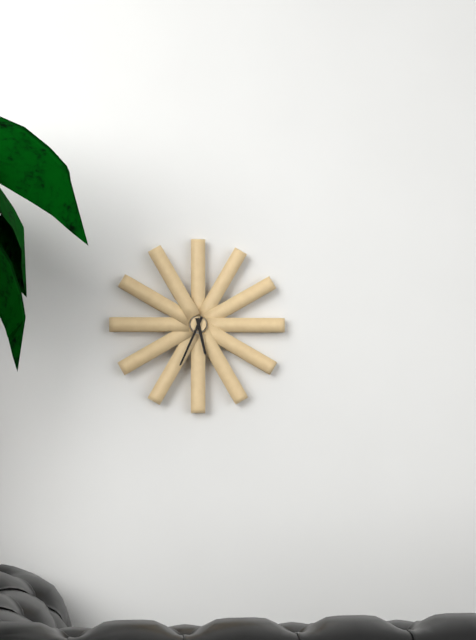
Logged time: **5:34**
